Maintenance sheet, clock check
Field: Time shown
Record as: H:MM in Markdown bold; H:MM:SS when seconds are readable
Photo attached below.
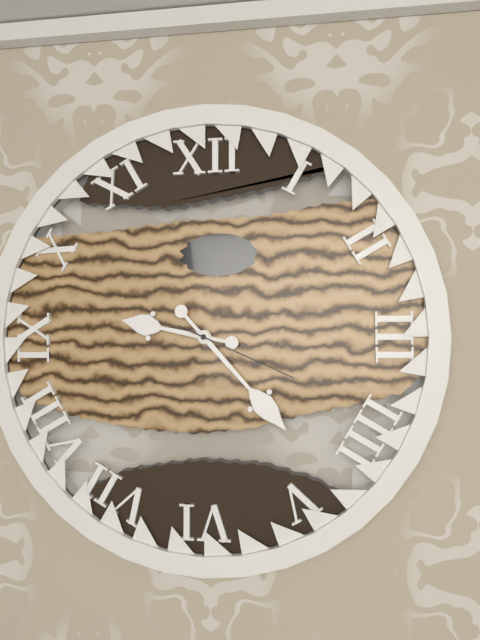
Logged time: **9:23:19**
